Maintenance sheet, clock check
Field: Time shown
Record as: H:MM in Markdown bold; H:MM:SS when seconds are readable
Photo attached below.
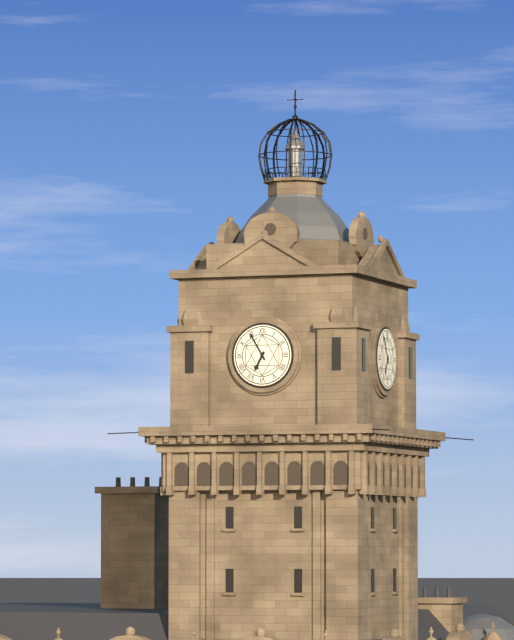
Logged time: **6:55**
